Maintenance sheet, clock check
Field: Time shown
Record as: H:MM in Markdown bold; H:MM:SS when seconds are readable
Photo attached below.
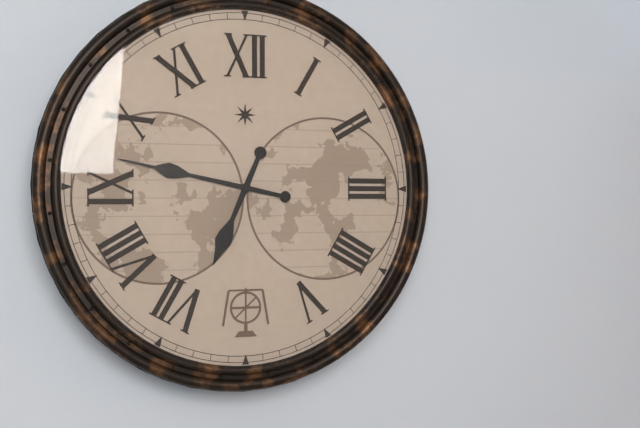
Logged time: **6:47**
